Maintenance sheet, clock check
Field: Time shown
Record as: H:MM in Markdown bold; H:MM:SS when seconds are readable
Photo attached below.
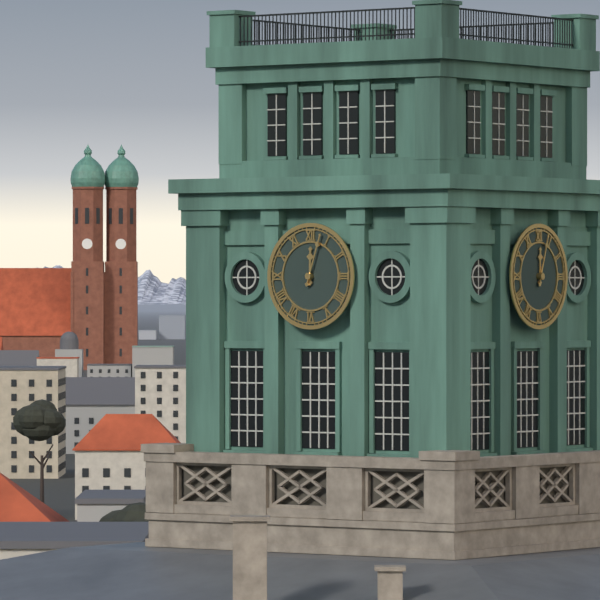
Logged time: **12:03**
